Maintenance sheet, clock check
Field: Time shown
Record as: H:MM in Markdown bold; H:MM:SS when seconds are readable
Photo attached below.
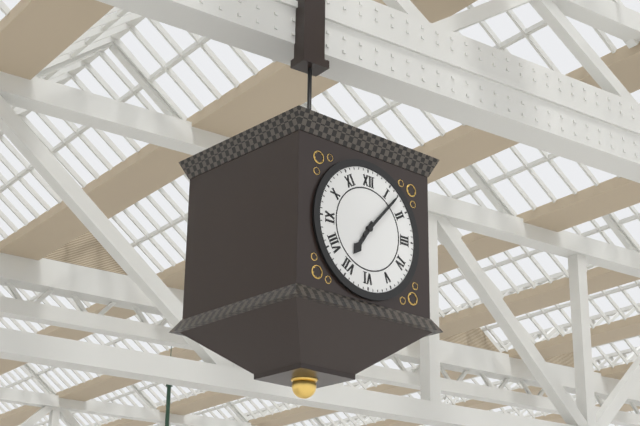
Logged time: **7:07**
